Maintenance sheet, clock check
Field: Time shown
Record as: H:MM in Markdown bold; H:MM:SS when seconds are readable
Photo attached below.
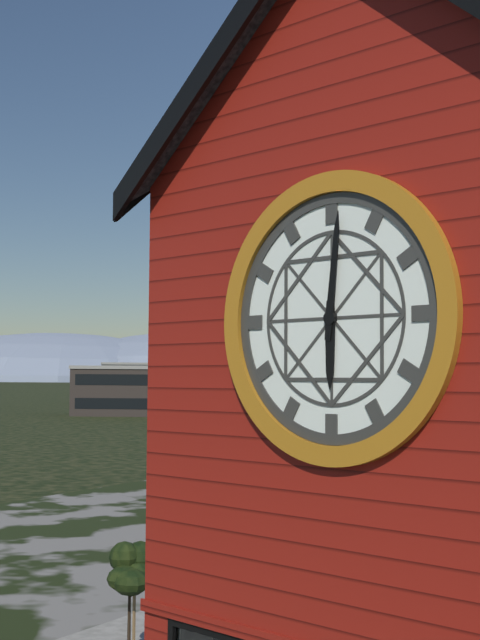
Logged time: **6:01**
